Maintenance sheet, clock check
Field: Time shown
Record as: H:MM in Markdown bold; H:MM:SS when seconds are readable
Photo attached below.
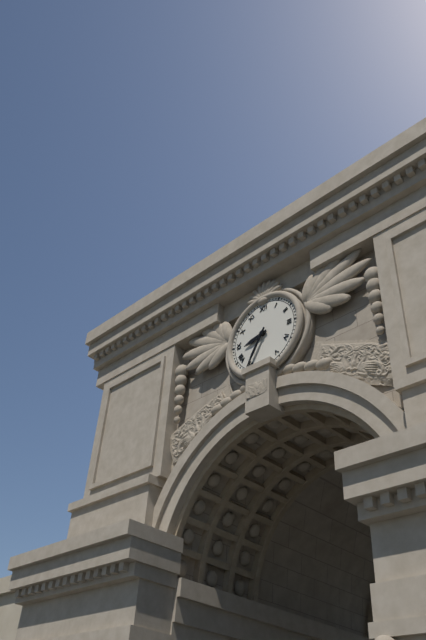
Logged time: **8:35**
